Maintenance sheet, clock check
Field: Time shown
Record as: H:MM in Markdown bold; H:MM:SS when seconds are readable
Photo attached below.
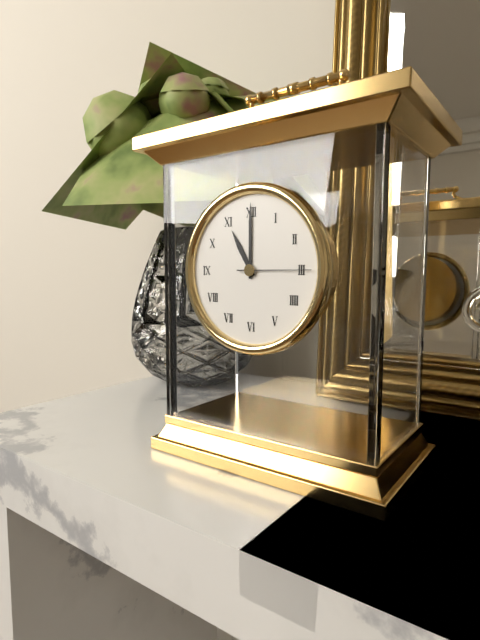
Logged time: **11:00:15**
